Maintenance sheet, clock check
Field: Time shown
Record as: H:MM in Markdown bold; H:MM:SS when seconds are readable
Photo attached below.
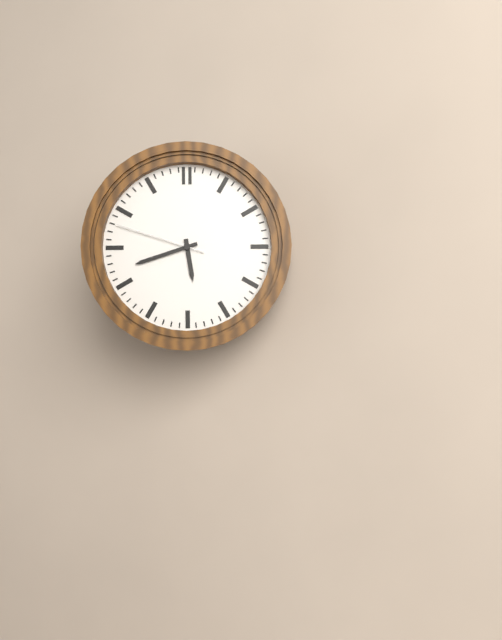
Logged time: **5:42:48**
